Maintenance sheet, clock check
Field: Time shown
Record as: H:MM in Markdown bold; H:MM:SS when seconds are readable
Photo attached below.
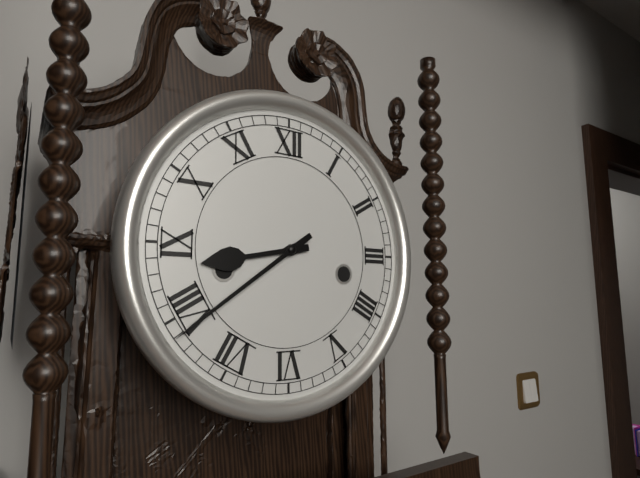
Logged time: **8:39**
